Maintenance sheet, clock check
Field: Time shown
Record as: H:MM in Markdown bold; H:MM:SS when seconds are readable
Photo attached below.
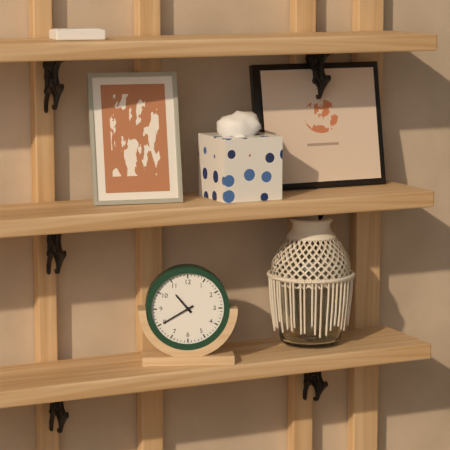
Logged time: **10:40**
